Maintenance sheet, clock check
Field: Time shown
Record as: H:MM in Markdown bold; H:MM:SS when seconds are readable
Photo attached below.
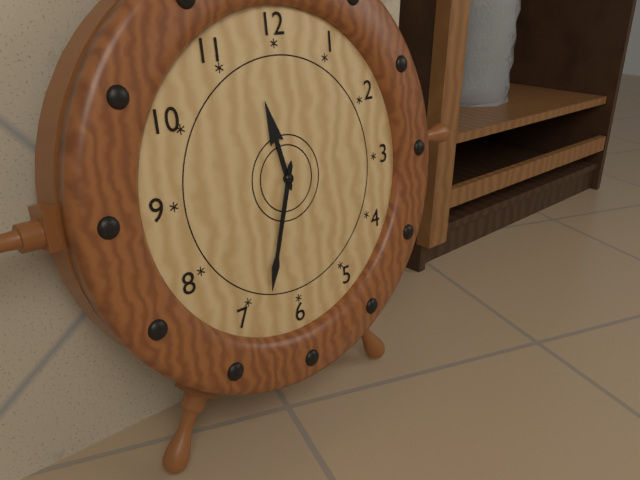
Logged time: **11:33**
